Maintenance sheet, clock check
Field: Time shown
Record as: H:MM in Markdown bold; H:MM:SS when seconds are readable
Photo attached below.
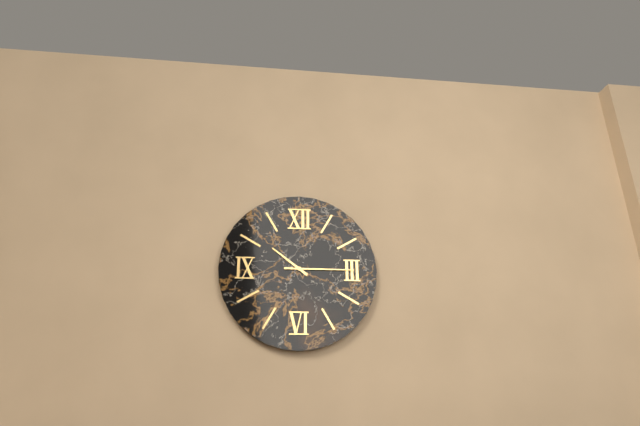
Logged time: **10:15**
